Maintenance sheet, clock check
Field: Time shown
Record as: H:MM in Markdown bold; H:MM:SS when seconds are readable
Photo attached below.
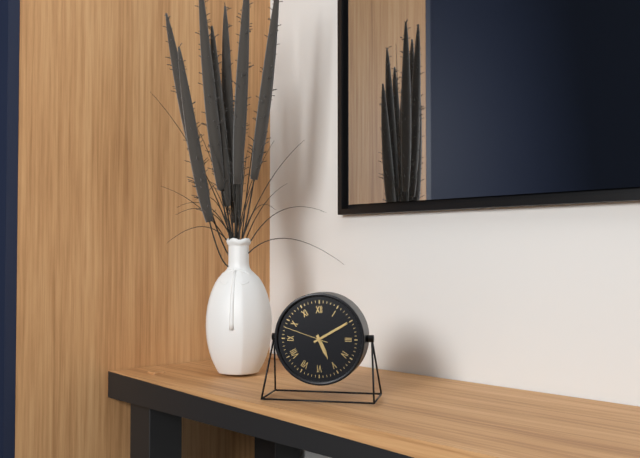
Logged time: **5:10**
